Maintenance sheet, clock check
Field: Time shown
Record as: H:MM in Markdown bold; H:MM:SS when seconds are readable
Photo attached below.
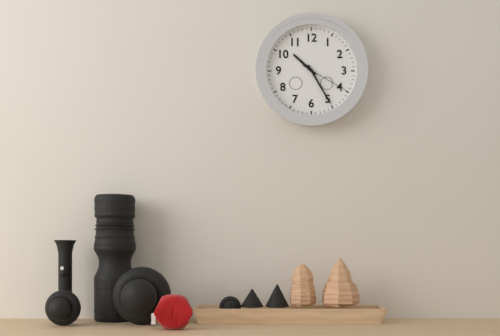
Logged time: **10:25:20**
